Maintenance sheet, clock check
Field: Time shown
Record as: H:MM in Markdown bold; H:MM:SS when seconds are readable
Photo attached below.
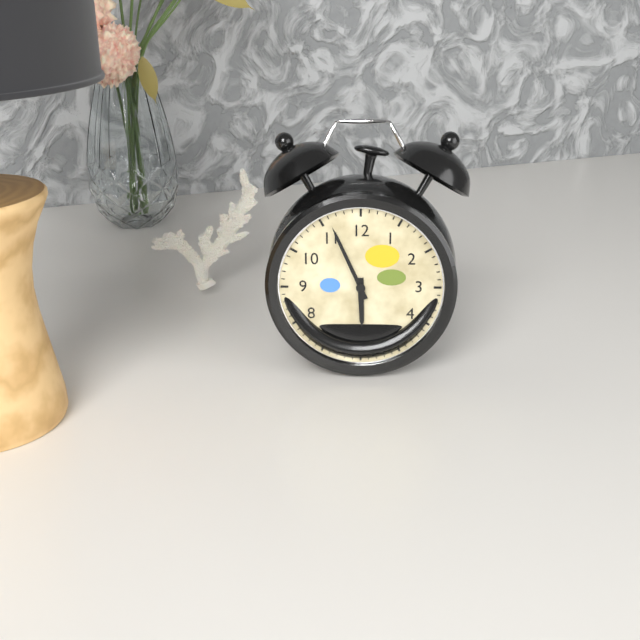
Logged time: **5:56**
